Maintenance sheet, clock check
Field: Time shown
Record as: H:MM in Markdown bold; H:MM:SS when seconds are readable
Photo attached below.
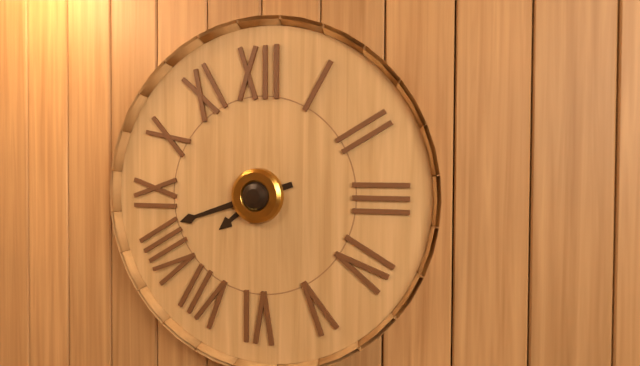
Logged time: **7:42**
